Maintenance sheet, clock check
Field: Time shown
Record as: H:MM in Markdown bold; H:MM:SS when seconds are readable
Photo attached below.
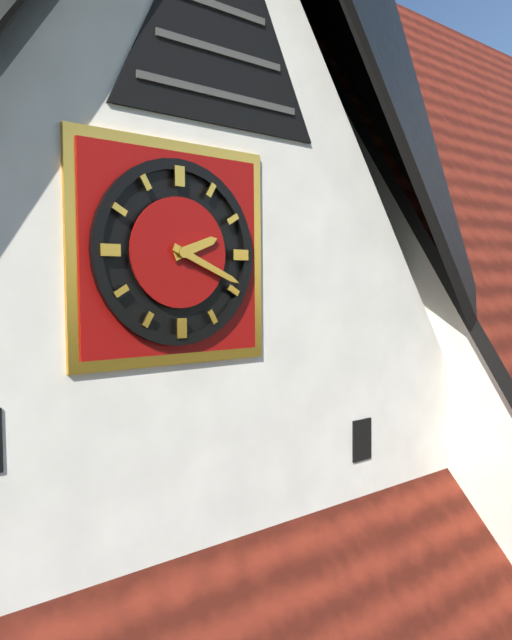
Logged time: **2:19**
